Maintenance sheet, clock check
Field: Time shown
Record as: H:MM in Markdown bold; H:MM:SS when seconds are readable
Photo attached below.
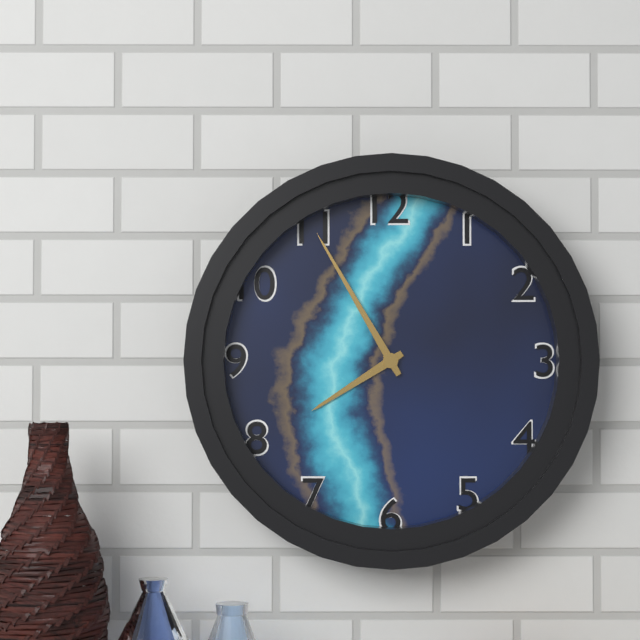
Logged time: **7:55**
